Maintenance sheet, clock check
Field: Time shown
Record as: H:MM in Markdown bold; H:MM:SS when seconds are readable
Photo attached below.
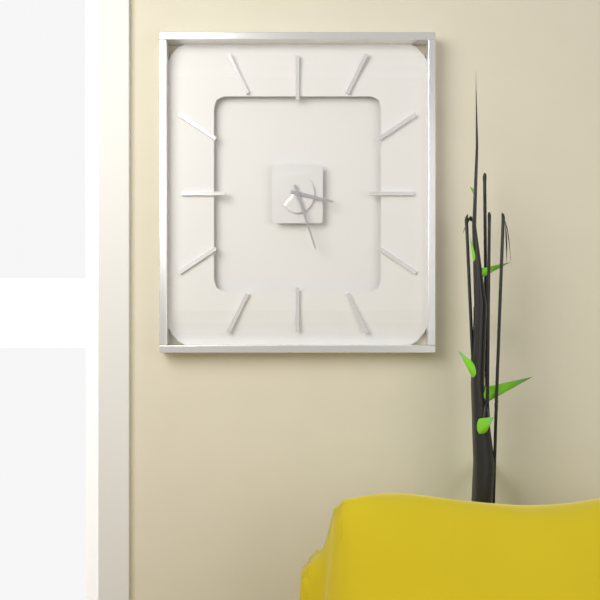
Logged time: **3:27**
